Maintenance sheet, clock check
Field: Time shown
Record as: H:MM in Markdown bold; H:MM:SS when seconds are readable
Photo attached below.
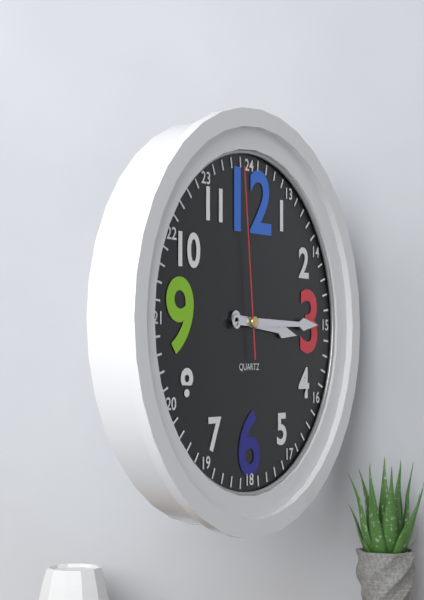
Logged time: **3:15:59**
